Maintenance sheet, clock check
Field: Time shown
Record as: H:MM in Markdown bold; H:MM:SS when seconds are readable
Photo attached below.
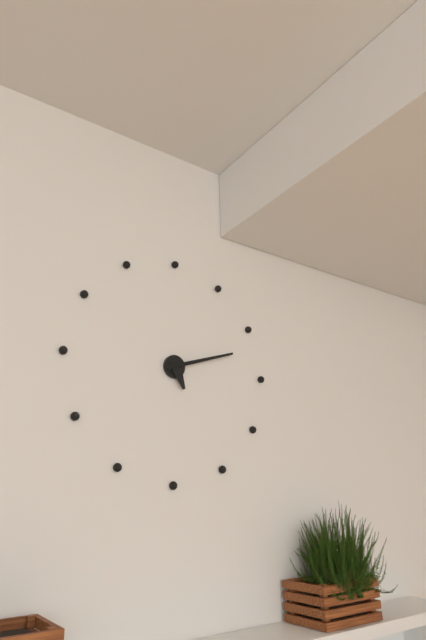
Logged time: **5:12**
